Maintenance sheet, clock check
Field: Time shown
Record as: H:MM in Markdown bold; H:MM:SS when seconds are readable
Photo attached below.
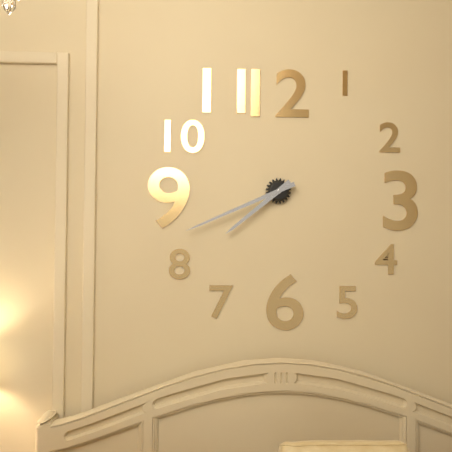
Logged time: **7:41**
